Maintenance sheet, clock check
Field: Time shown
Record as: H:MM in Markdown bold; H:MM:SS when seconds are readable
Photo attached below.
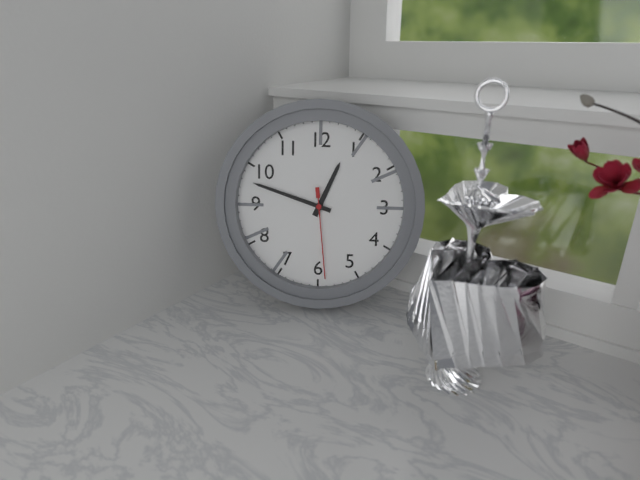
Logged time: **12:48:29**
